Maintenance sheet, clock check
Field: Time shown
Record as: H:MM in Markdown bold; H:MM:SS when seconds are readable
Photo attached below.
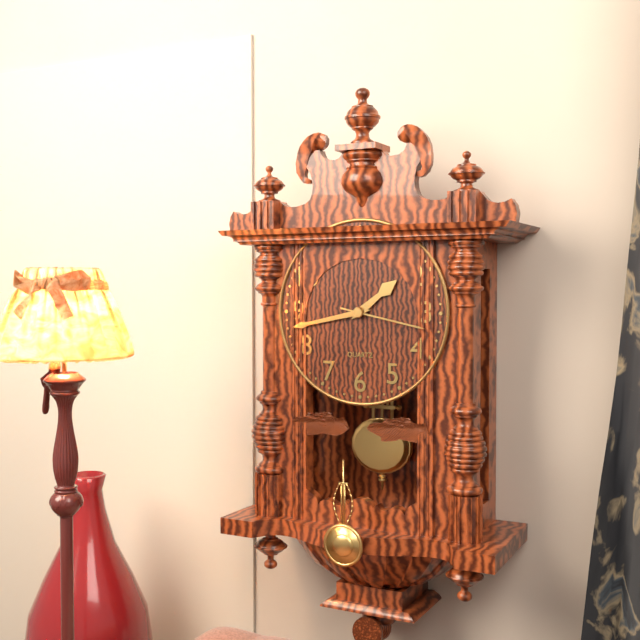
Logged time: **1:43:17**
